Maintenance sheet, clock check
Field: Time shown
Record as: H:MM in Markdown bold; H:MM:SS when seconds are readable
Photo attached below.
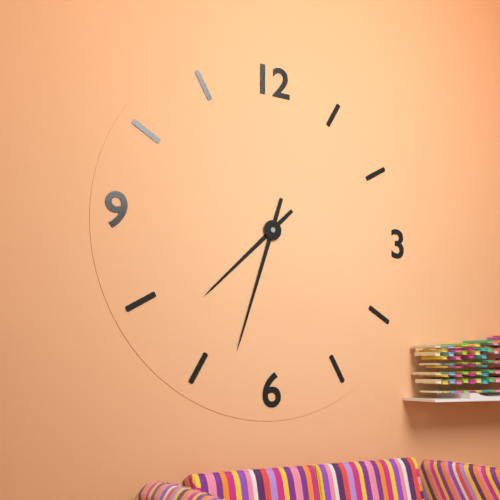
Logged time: **7:33**
